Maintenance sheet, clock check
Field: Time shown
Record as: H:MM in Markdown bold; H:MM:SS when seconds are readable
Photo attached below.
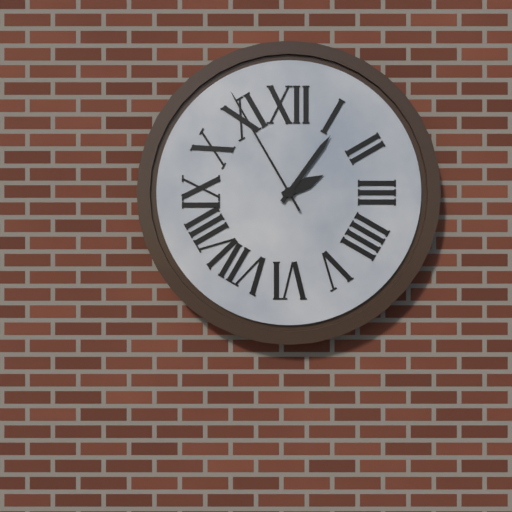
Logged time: **2:06:55**
